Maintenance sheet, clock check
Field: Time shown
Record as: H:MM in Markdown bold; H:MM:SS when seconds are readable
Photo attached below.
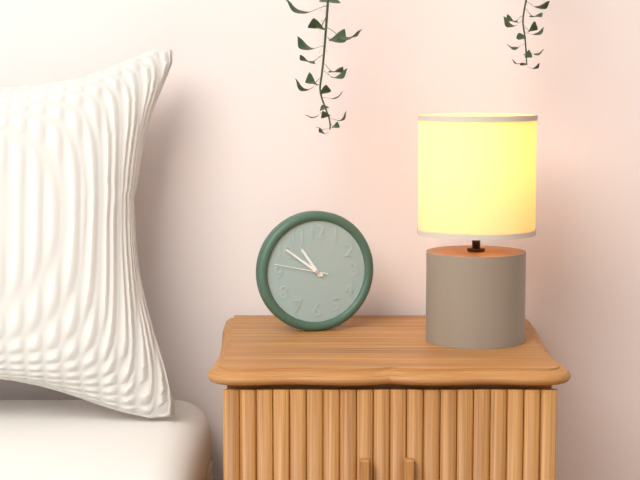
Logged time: **10:51:47**
